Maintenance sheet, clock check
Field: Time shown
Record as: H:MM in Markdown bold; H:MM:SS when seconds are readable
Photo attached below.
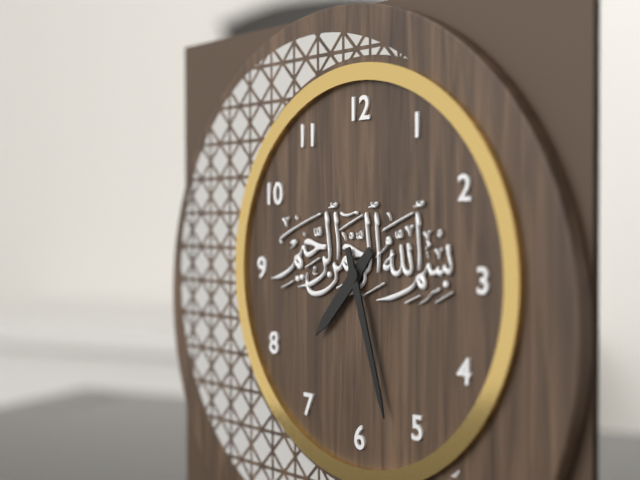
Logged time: **7:27**
